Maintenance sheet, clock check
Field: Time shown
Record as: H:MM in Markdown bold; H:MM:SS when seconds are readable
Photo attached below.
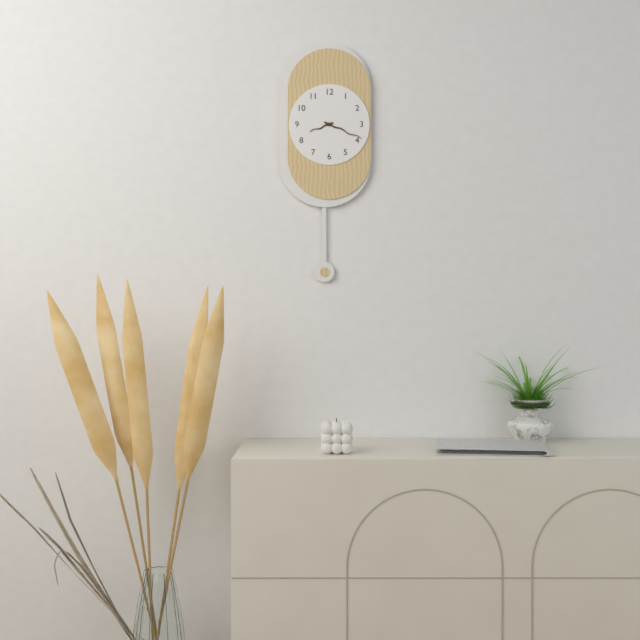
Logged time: **8:19**
